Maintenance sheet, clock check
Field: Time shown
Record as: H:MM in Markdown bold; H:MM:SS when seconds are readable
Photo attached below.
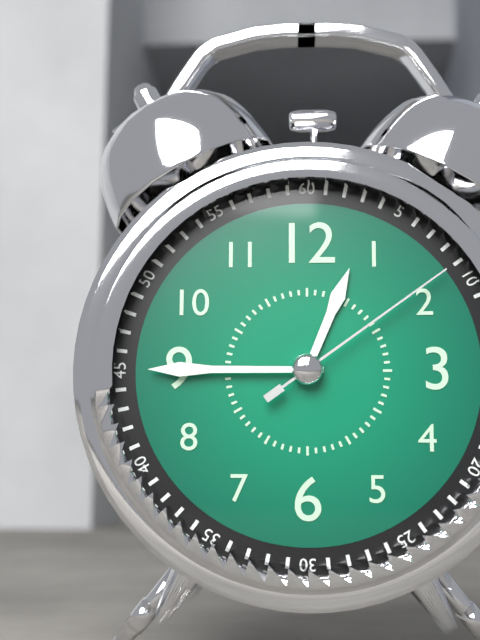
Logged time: **12:45:09**
